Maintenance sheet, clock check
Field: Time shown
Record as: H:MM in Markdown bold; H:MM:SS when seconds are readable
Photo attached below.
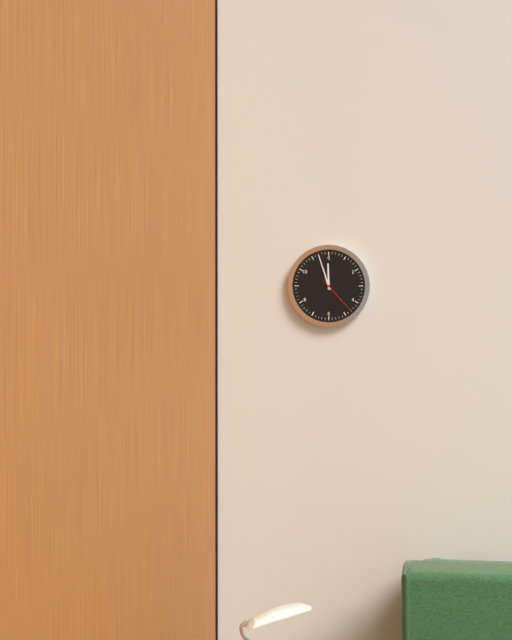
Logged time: **11:57**
